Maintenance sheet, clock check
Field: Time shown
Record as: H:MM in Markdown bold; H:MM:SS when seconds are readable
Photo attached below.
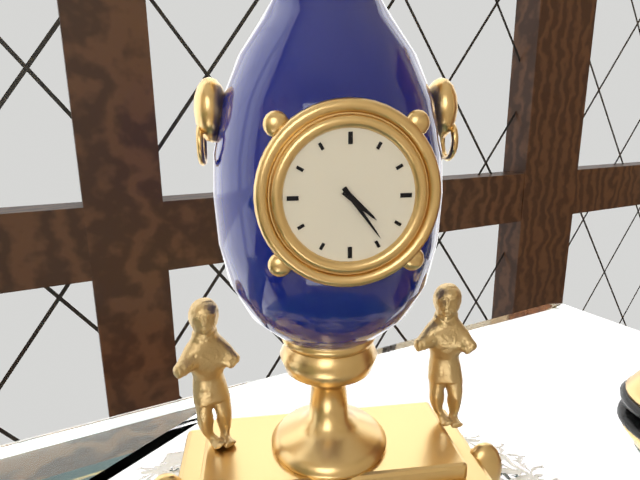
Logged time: **4:24**
